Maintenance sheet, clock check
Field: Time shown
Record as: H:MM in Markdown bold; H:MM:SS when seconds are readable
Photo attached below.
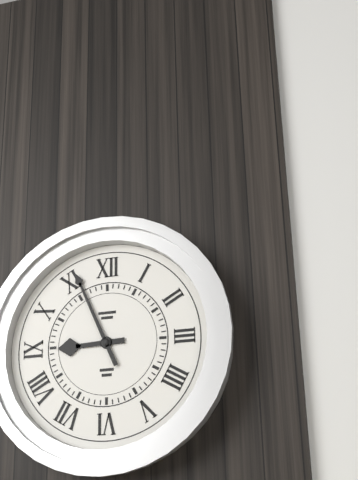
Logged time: **8:56**
